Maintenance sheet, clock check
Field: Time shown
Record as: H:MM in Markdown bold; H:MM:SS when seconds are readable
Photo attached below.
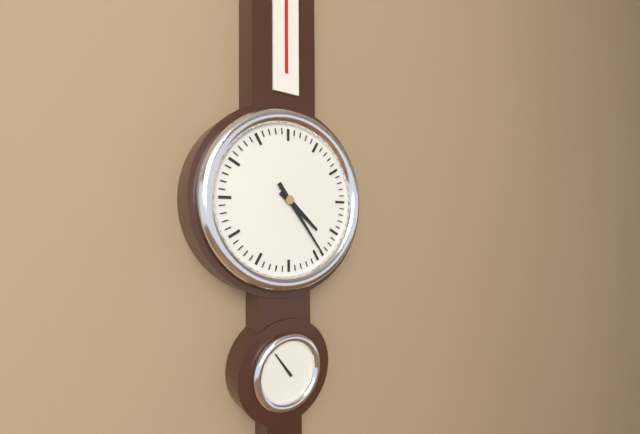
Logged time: **4:24**
